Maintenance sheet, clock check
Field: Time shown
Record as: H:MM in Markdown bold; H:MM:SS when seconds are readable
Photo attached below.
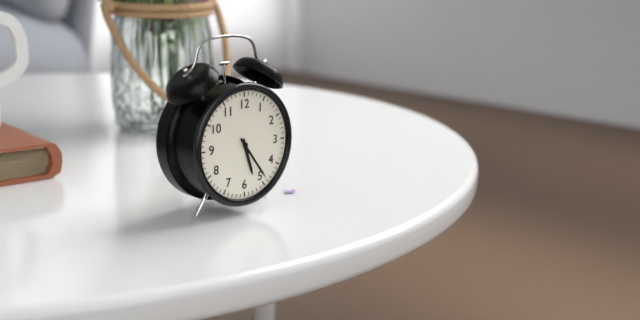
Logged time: **5:24**
